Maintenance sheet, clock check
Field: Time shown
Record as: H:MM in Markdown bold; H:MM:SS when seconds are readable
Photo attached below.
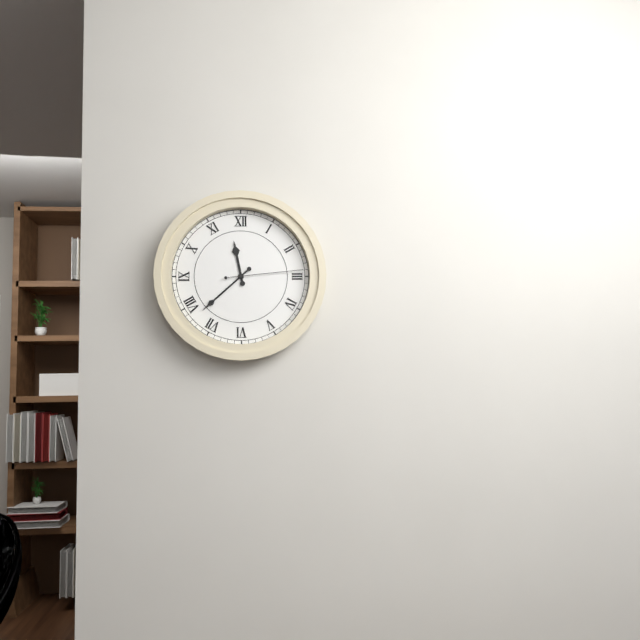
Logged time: **11:38:14**
